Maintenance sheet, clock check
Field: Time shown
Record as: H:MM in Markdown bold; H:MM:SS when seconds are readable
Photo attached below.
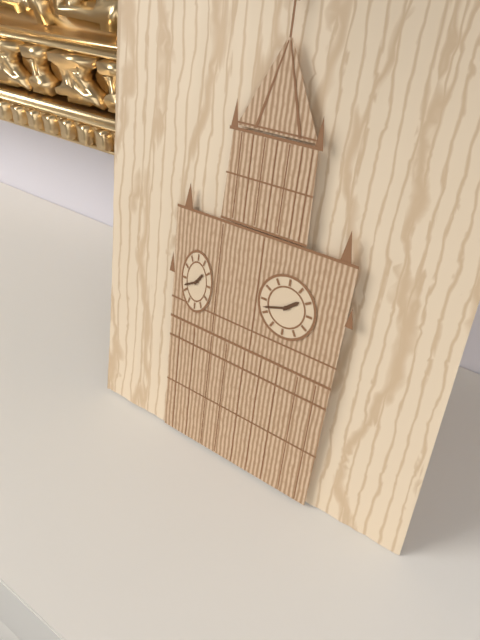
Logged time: **1:42**
